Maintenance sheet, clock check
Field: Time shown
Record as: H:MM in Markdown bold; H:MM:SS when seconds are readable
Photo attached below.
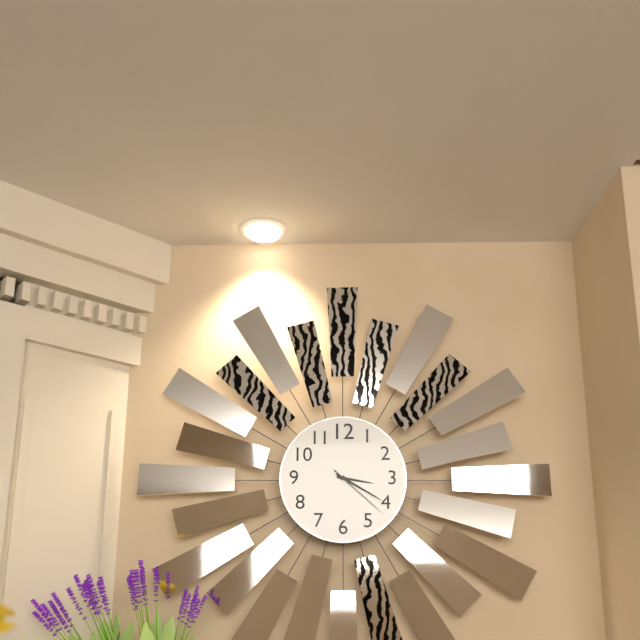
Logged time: **3:20:22**
